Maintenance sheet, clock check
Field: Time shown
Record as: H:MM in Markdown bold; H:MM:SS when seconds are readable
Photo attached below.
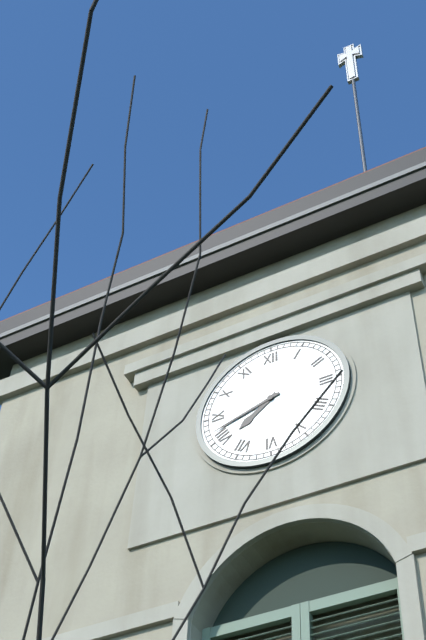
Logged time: **7:42**
